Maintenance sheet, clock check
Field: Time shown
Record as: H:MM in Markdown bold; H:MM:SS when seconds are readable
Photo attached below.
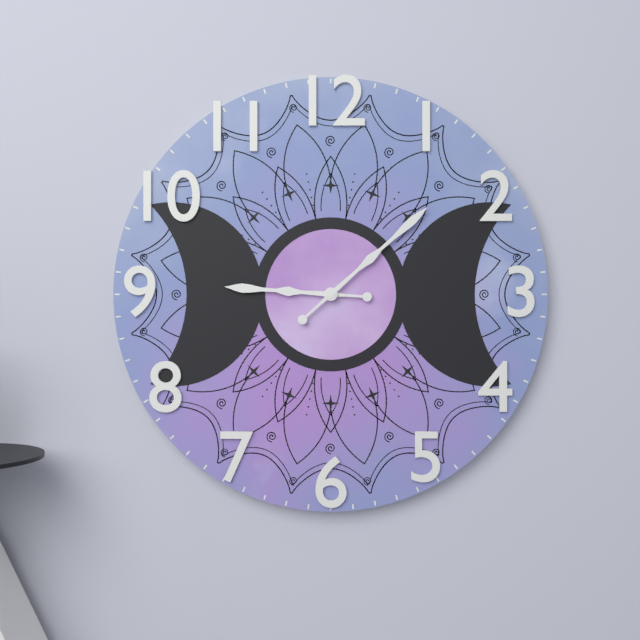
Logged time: **9:08**
